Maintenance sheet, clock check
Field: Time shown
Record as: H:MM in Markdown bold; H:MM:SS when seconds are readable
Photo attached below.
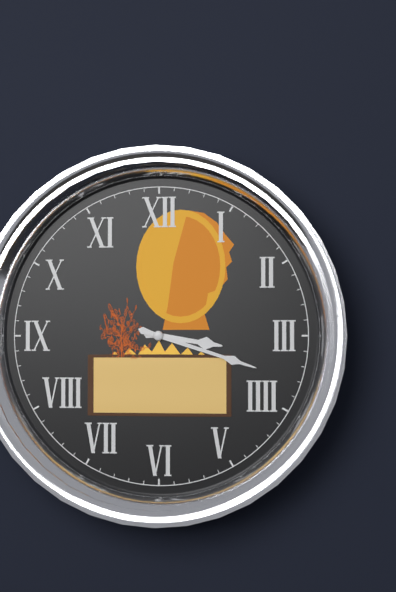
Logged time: **3:18**
